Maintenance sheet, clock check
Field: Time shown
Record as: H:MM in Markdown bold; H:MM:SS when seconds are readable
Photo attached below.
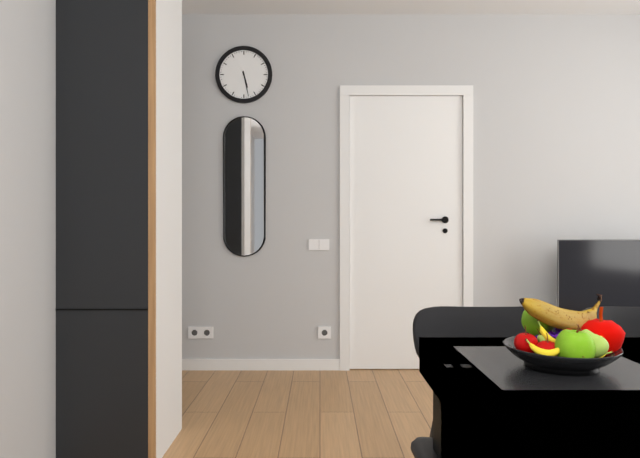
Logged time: **5:28**
